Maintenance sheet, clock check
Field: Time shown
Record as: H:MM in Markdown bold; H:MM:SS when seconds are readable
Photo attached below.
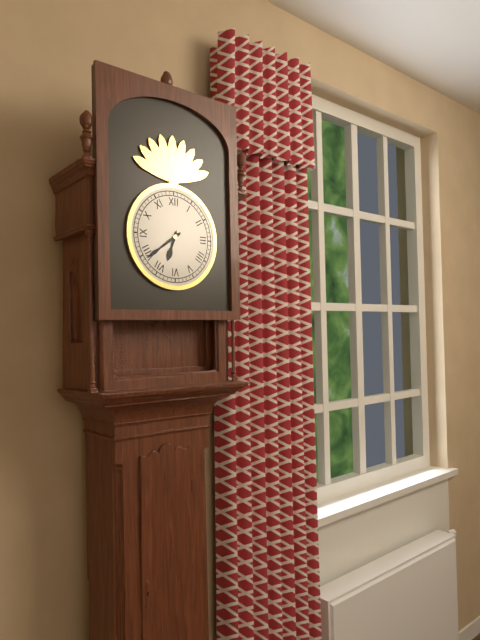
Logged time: **6:39**
